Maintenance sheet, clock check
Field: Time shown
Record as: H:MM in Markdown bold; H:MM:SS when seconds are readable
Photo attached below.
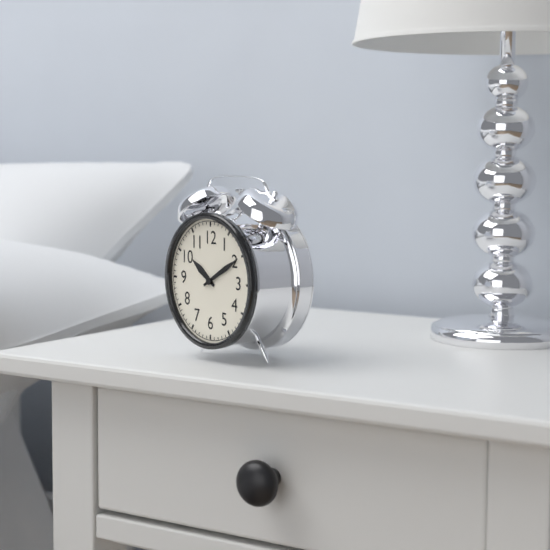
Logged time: **10:10**
